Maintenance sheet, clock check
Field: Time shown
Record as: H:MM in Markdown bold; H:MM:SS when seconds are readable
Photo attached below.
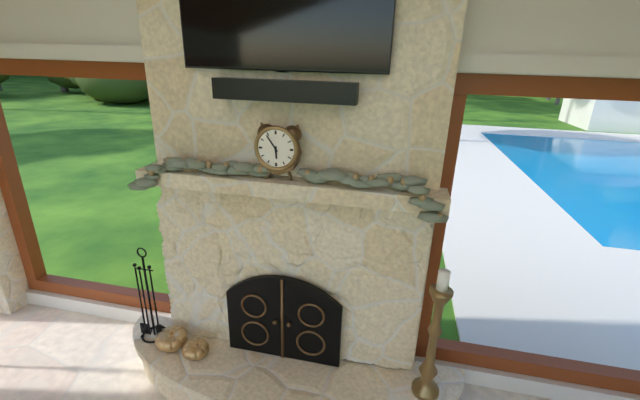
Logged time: **5:54**
